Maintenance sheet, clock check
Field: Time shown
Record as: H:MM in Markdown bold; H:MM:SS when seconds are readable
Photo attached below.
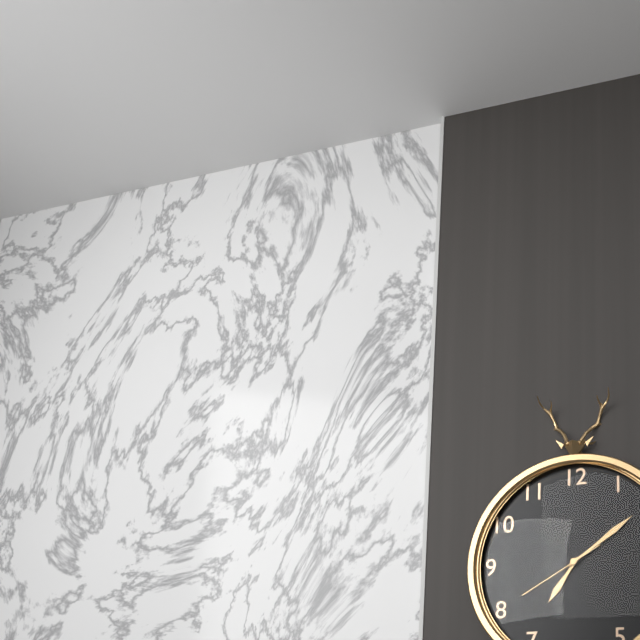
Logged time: **7:09:40**
